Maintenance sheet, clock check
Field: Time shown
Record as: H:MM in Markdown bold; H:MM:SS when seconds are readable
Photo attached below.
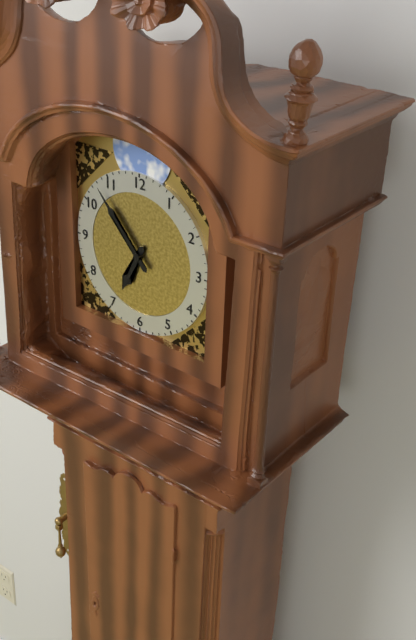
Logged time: **6:53**
